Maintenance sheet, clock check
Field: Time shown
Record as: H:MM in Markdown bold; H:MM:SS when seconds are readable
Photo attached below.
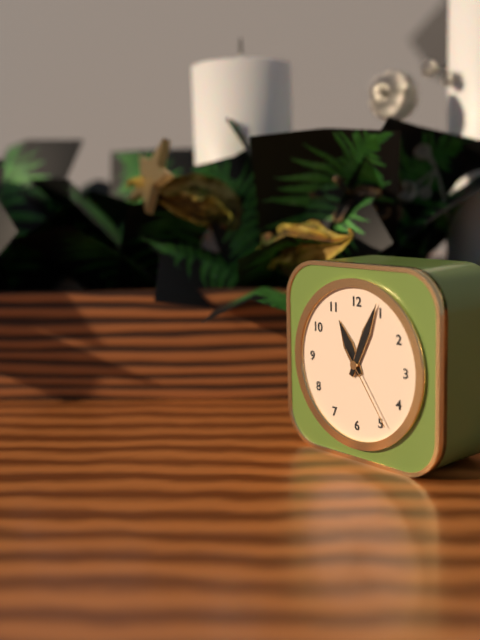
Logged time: **11:04:24**
